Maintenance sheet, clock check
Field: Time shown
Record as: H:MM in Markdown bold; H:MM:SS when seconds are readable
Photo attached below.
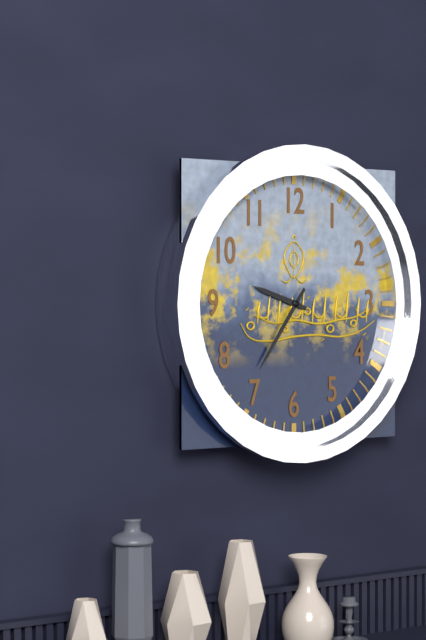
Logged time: **9:36**
